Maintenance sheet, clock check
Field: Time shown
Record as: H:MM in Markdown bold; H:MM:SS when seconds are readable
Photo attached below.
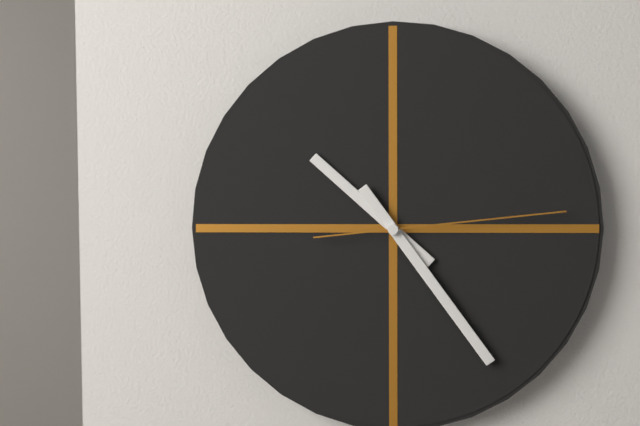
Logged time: **10:24:14**
